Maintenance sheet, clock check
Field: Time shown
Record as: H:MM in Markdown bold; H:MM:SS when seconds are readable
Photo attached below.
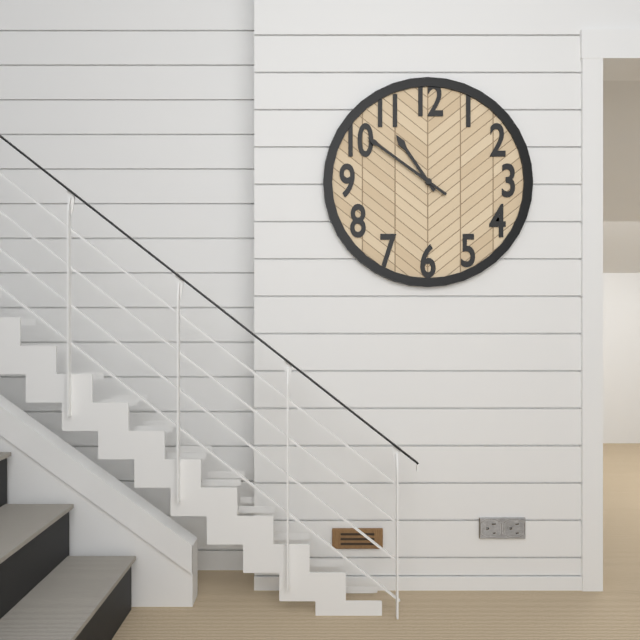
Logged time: **10:51**
